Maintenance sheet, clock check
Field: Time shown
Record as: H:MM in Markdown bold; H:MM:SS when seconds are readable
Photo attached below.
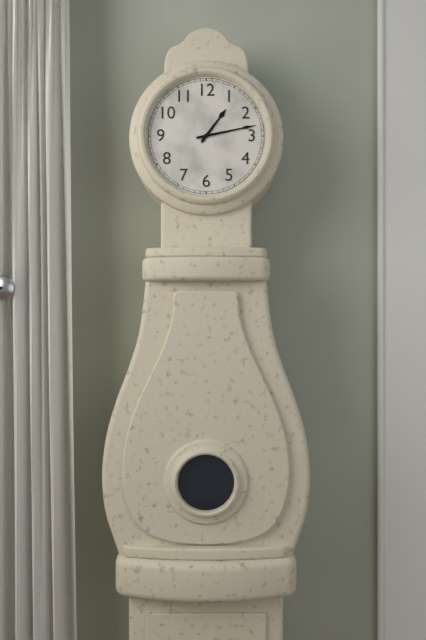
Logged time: **1:13**
